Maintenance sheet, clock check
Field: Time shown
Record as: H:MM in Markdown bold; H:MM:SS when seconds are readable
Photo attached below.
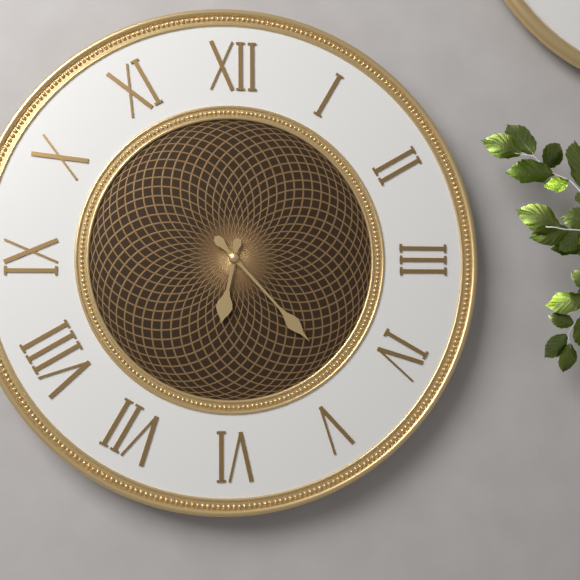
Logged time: **6:23**
